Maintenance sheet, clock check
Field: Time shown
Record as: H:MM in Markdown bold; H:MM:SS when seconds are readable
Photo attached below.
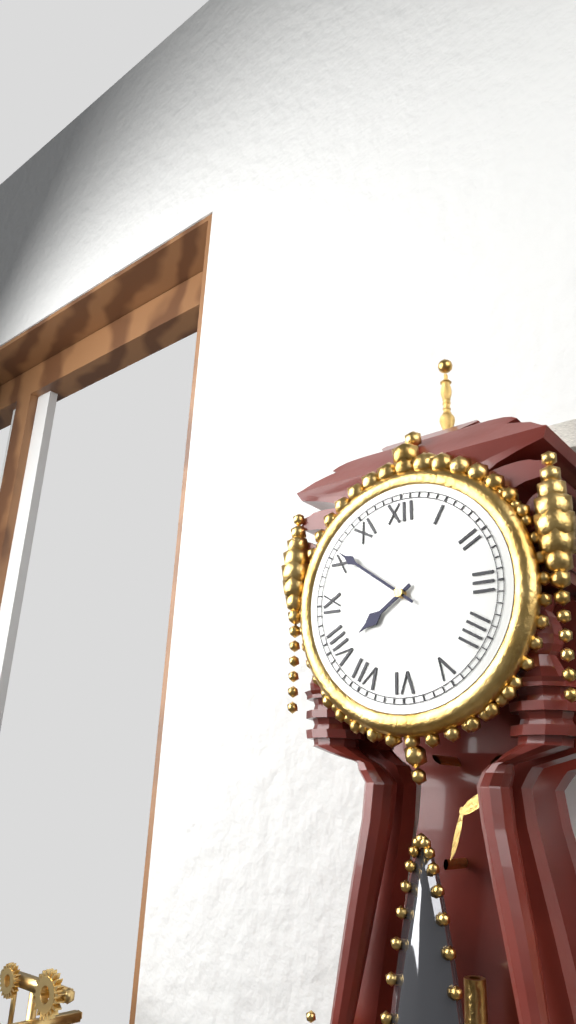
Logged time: **7:51**
